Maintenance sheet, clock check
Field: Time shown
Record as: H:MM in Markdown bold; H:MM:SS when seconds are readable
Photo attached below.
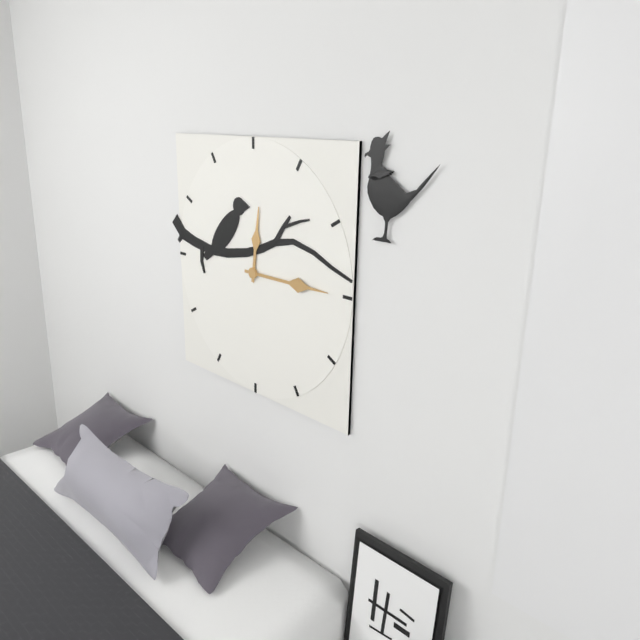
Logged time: **12:15**
